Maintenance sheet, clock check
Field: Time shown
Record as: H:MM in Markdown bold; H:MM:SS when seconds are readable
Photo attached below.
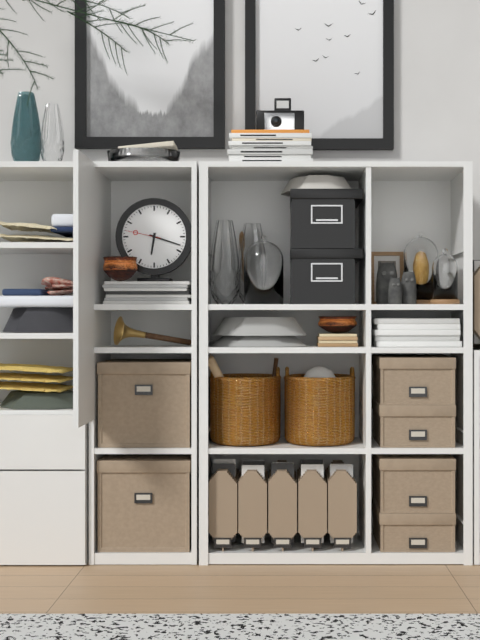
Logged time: **6:18**
